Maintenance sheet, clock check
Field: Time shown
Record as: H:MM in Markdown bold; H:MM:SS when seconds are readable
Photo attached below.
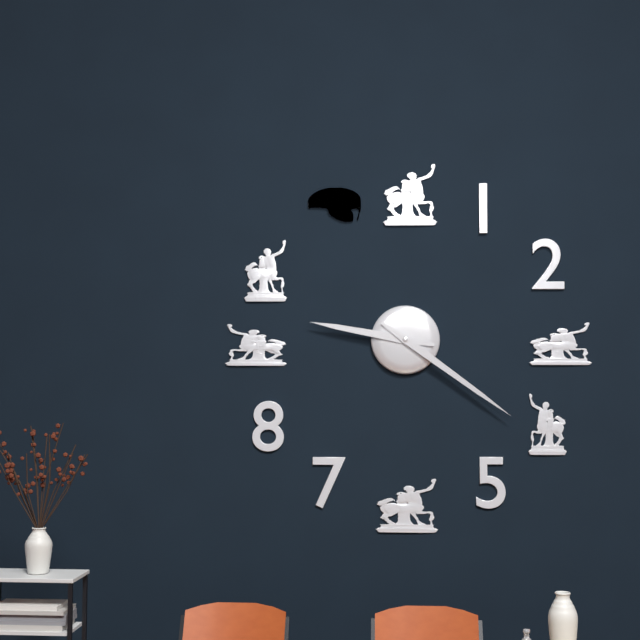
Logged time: **9:21**
